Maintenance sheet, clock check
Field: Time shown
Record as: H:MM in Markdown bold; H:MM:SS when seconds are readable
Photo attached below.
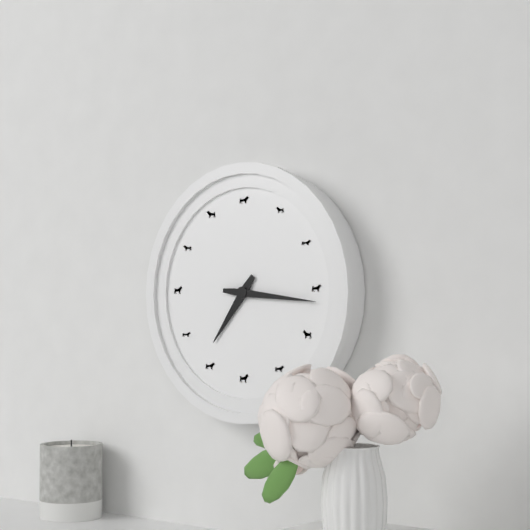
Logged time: **7:16**
